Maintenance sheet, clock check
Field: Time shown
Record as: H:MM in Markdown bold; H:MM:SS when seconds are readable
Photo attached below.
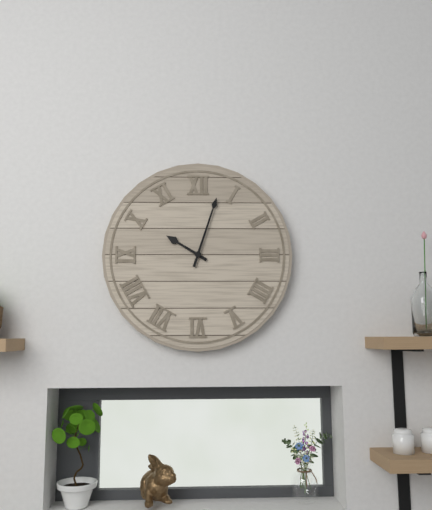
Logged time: **10:03**
